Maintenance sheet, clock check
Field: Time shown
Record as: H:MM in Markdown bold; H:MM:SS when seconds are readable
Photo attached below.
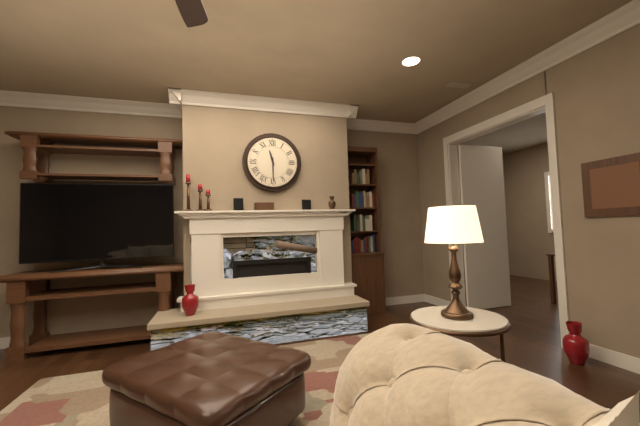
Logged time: **11:30**
